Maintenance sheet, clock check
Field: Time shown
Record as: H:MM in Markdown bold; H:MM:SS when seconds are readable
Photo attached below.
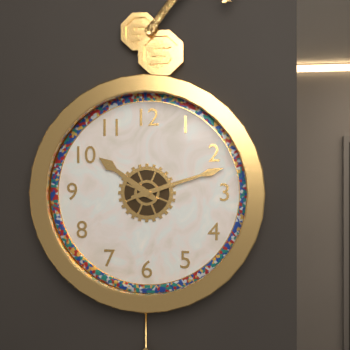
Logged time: **10:12**
